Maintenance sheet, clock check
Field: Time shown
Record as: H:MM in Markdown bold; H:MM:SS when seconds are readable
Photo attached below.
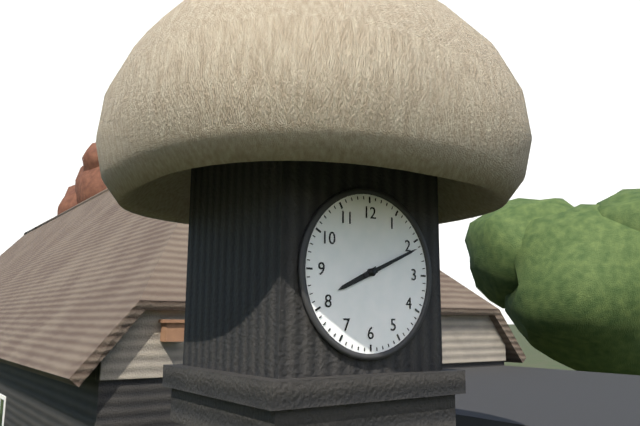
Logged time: **8:11**
